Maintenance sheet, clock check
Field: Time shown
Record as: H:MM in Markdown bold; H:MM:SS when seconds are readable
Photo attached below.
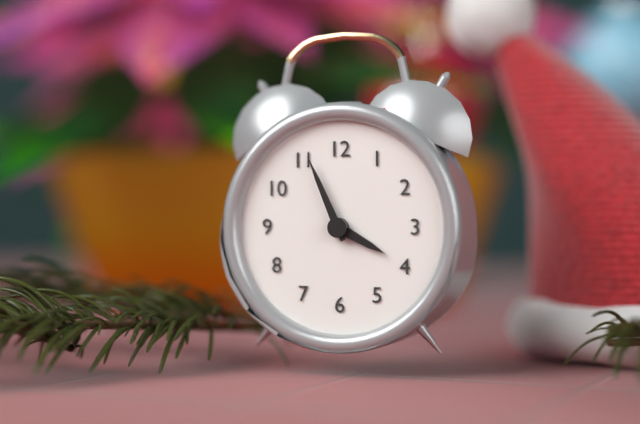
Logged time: **3:56**
